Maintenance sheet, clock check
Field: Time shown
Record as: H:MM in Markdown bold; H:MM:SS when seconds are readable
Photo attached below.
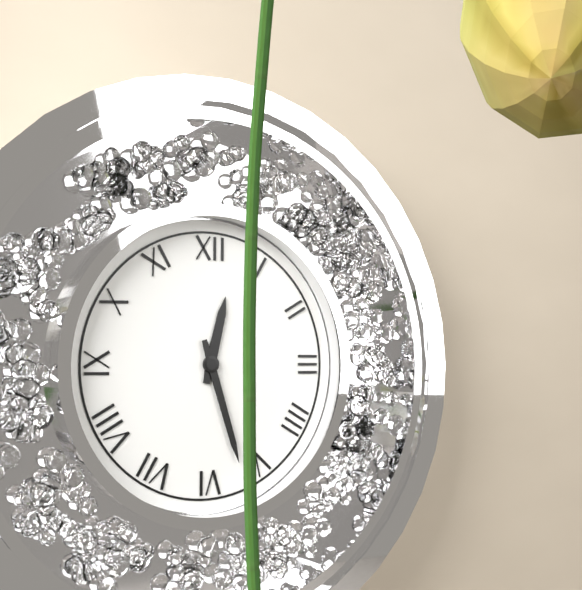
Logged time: **12:27**
